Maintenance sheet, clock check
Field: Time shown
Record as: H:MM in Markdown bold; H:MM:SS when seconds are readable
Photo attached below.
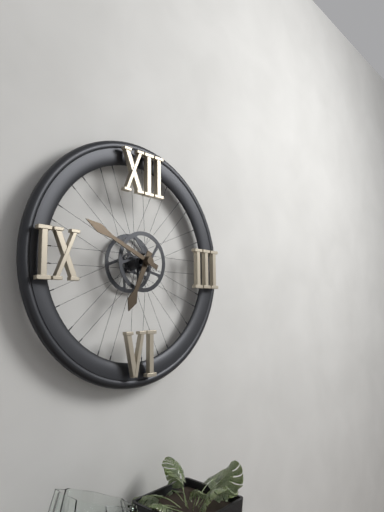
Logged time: **6:49**
